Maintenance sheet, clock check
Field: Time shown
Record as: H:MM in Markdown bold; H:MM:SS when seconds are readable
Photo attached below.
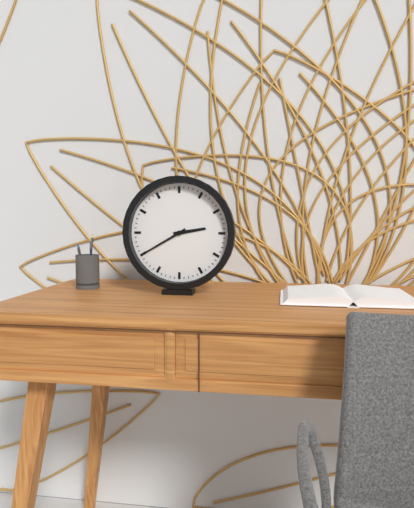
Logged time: **2:40**
